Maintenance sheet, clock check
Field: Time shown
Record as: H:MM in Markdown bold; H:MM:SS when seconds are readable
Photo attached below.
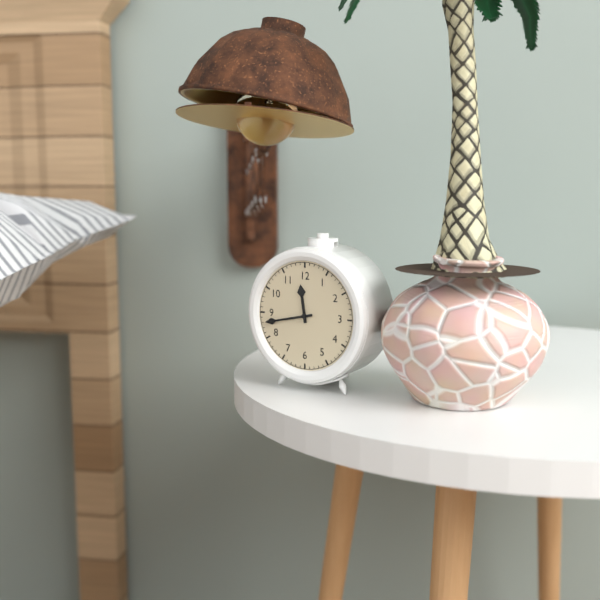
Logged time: **11:43**
